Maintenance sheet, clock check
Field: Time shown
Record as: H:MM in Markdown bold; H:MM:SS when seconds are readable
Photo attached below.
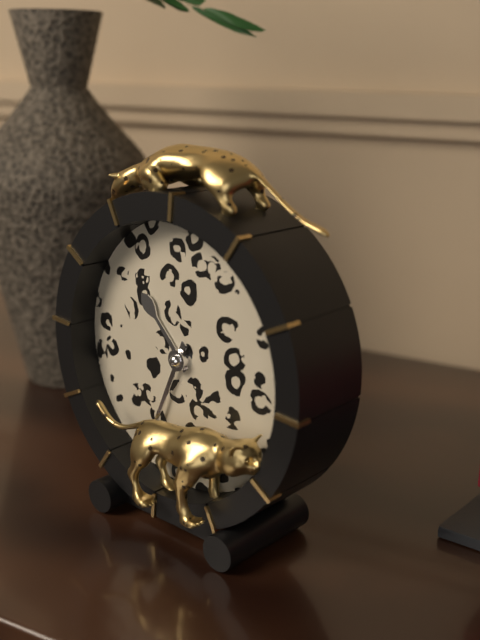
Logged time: **10:34**
